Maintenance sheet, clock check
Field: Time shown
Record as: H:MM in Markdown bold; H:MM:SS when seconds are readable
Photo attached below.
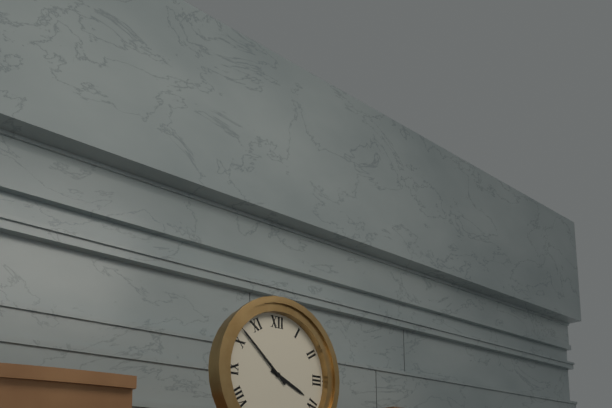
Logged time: **3:52**
